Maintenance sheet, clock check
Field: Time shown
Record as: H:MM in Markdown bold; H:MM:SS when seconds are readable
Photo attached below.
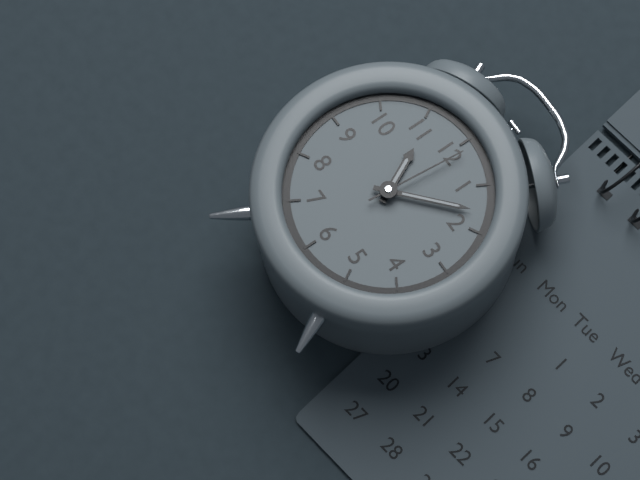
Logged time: **11:08:01**
